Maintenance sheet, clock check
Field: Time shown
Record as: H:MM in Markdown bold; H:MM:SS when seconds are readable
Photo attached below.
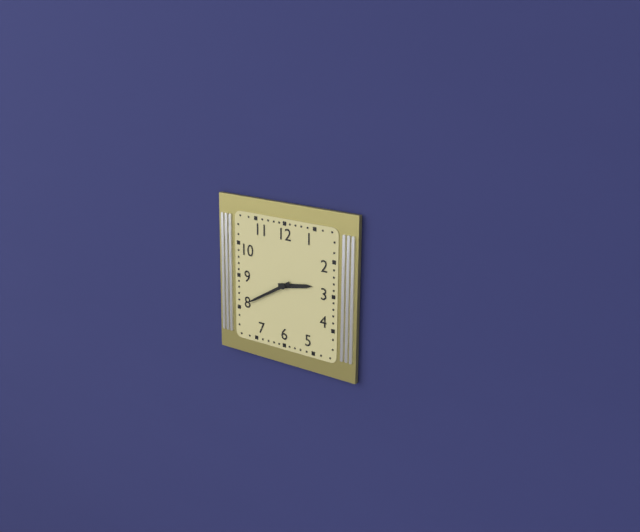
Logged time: **2:40**
